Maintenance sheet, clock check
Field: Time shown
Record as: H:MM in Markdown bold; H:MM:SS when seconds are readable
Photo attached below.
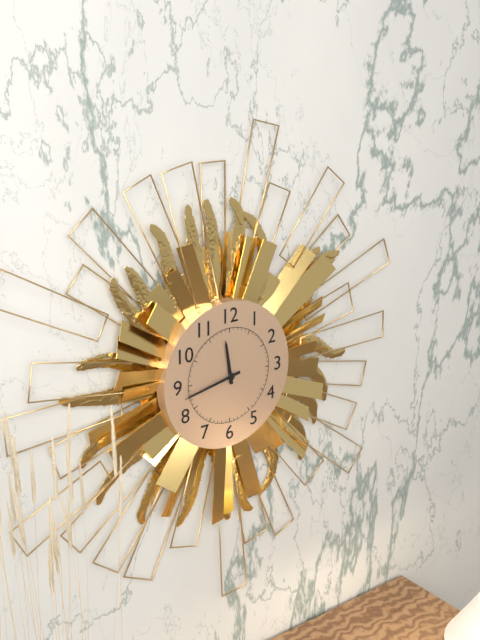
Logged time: **11:43**
